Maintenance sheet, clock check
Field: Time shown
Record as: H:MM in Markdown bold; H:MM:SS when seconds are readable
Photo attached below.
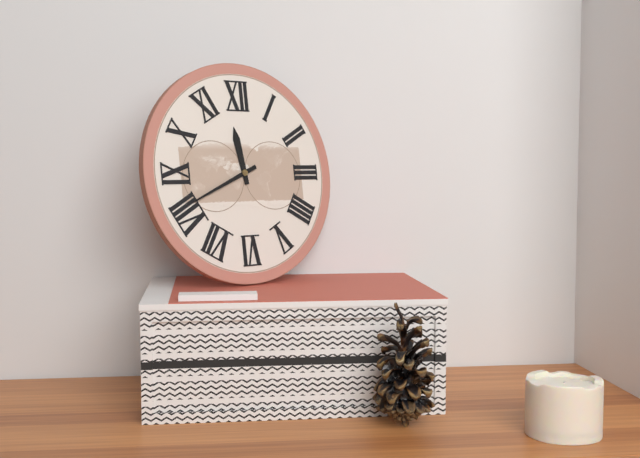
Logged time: **11:41**
